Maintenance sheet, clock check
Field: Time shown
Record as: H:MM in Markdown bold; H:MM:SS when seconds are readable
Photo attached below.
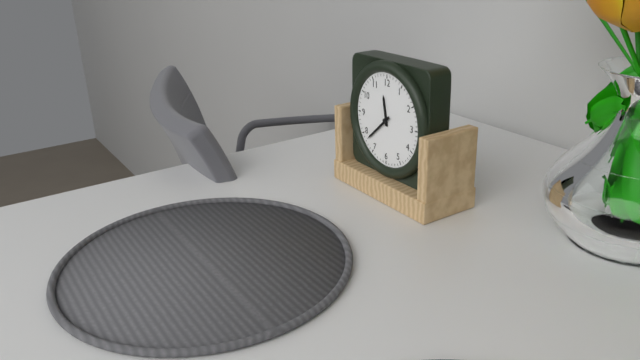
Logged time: **11:38**
